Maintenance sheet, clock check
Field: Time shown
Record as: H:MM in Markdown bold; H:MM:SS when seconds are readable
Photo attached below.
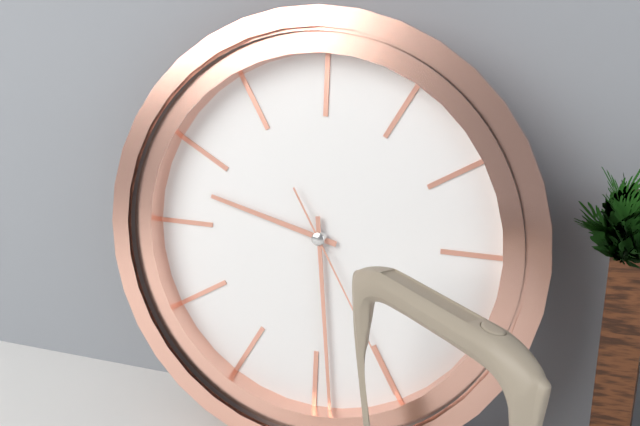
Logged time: **9:29:25**
